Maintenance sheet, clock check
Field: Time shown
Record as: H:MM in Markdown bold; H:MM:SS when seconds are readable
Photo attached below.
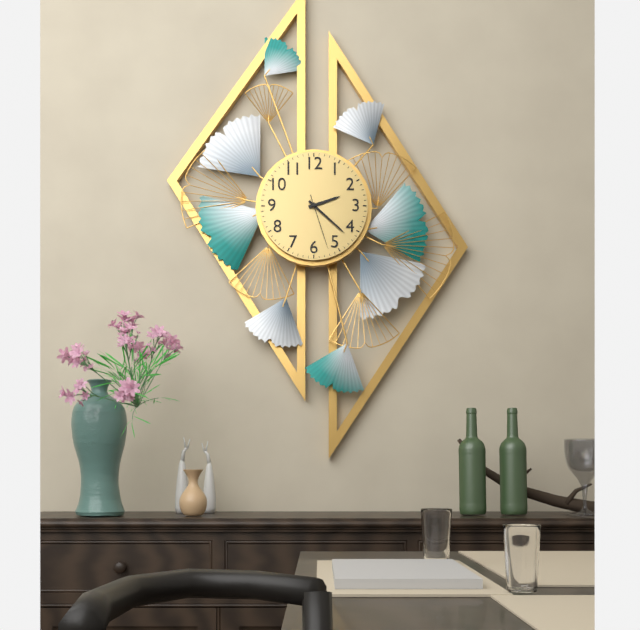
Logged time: **2:22:27**
